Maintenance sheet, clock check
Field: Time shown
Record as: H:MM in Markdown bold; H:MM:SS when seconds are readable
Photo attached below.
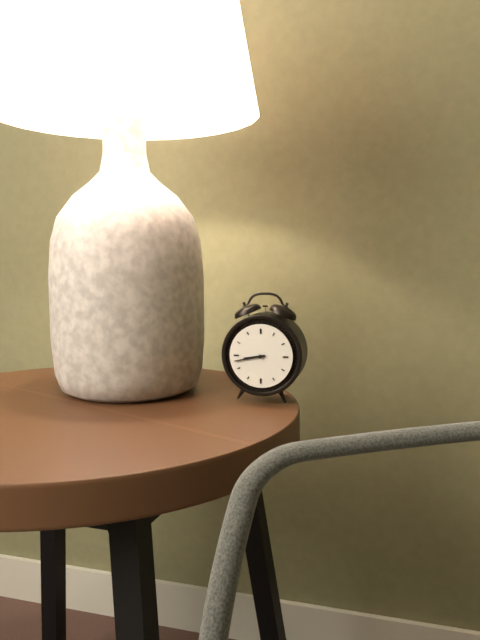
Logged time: **8:43**
